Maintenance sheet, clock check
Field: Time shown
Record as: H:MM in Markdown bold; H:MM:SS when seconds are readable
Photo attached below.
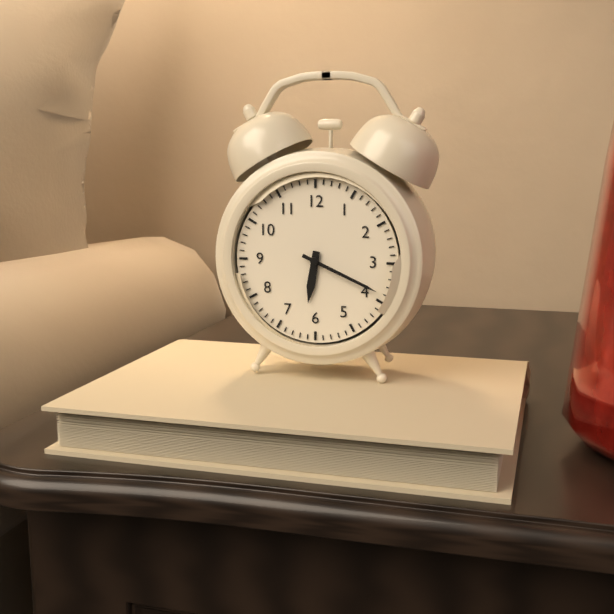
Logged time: **6:19**
